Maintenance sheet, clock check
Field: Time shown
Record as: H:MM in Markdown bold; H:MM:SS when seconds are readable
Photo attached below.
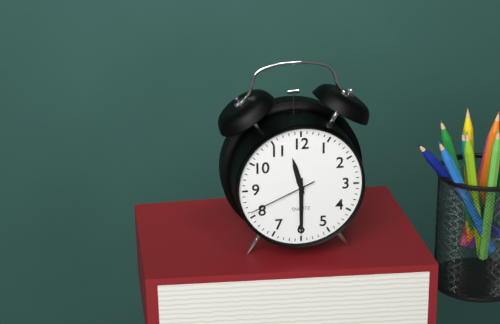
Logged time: **11:30:41**
